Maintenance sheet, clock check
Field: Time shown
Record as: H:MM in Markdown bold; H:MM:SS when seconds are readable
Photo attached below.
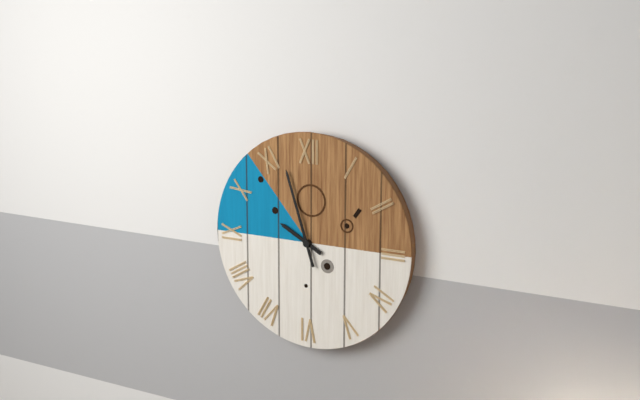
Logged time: **9:57**
